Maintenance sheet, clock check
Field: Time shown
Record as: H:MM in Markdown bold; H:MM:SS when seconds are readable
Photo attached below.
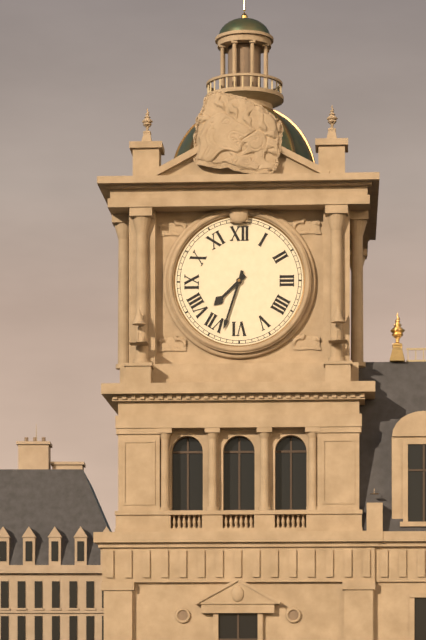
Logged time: **7:33**
